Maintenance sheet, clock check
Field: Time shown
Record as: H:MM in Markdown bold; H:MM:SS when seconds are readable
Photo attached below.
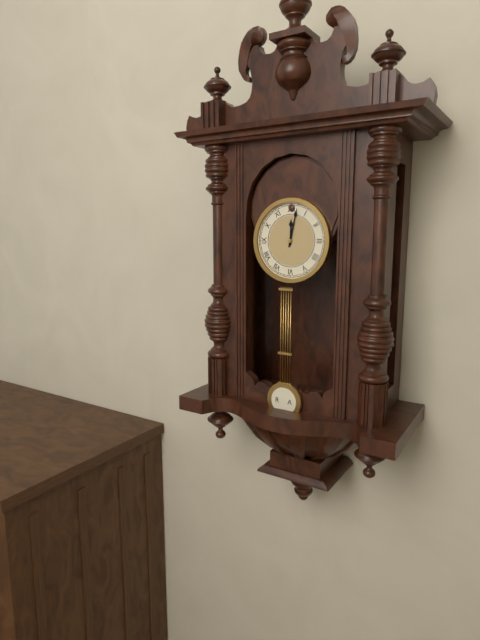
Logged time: **12:02**
